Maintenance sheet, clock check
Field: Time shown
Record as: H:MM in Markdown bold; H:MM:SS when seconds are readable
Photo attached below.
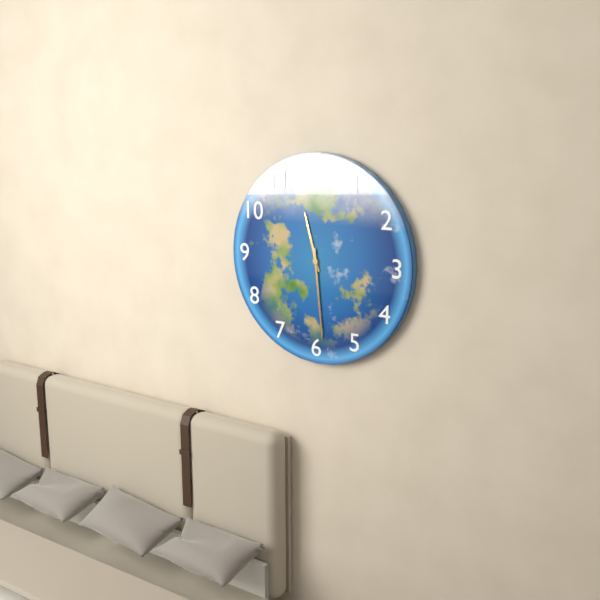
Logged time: **11:29**
